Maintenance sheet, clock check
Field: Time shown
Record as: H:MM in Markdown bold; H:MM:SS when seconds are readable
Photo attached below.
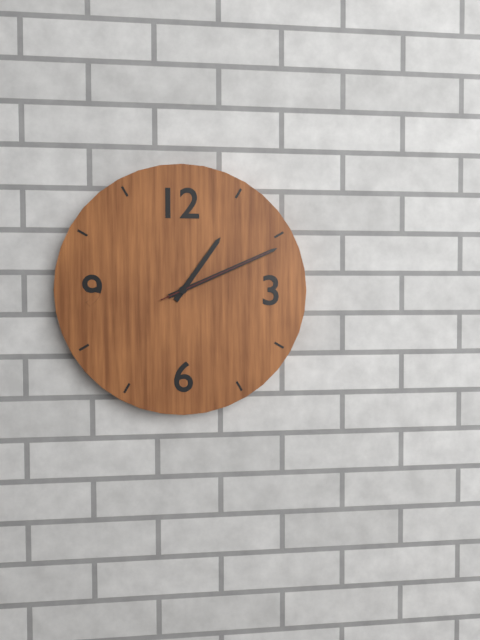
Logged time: **1:11:11**
